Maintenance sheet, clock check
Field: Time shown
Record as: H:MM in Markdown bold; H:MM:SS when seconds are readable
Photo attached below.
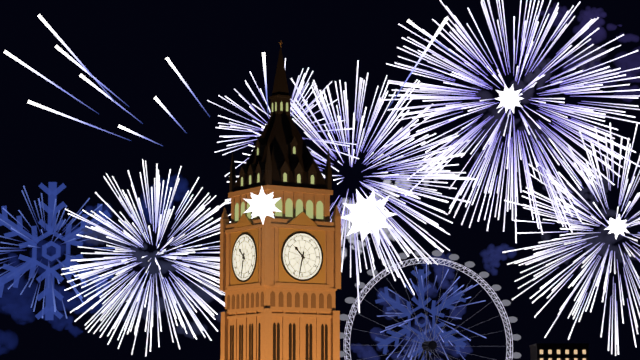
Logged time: **10:32**
